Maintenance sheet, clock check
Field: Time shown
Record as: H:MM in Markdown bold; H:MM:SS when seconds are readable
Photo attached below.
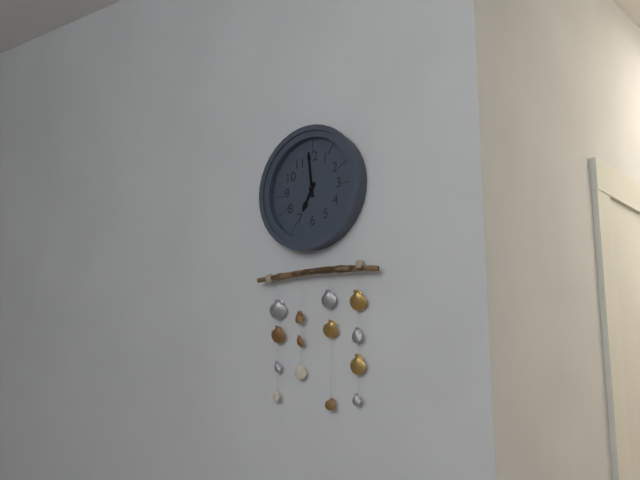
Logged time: **6:59**
